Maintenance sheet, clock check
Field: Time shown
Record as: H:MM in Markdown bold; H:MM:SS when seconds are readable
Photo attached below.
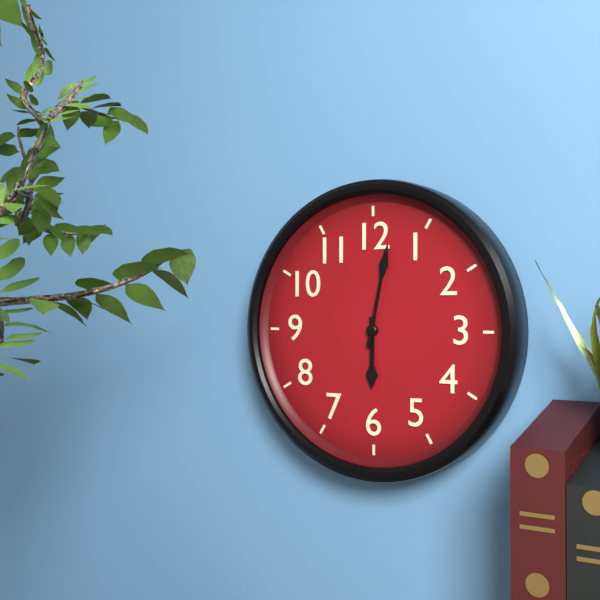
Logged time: **6:02**
